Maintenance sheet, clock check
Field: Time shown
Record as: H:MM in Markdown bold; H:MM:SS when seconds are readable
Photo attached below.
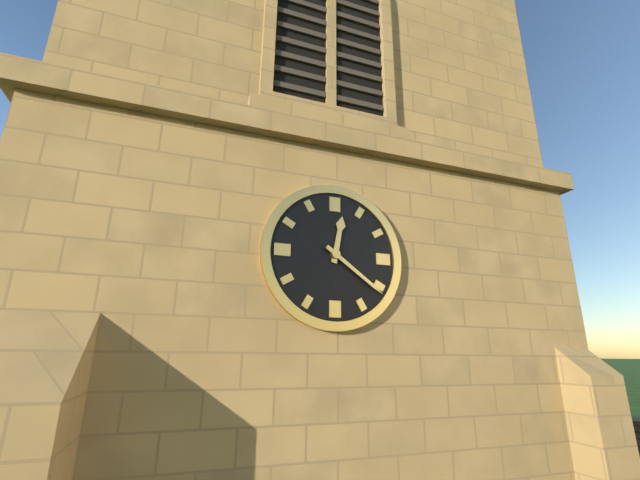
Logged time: **12:21**
